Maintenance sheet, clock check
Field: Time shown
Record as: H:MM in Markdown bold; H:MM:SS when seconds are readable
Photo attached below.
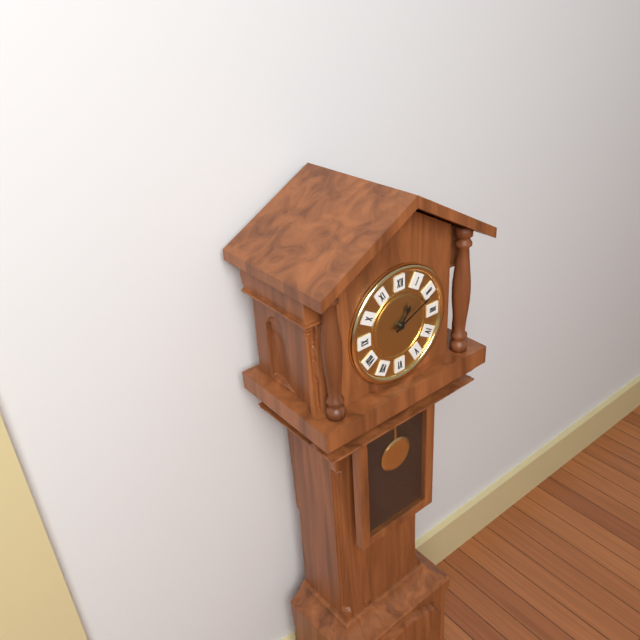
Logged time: **1:11**
